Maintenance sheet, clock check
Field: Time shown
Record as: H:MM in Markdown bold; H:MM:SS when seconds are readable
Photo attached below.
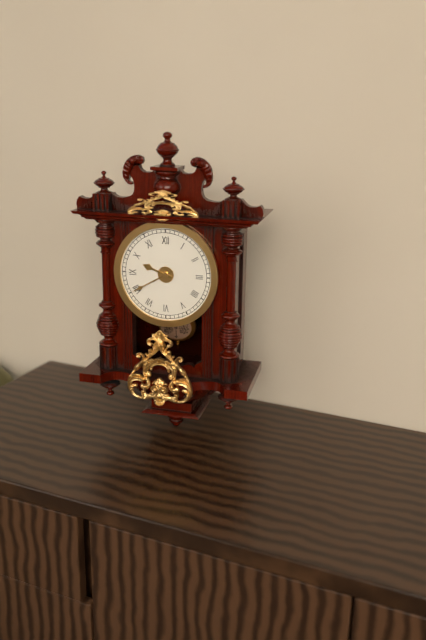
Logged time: **9:40**
